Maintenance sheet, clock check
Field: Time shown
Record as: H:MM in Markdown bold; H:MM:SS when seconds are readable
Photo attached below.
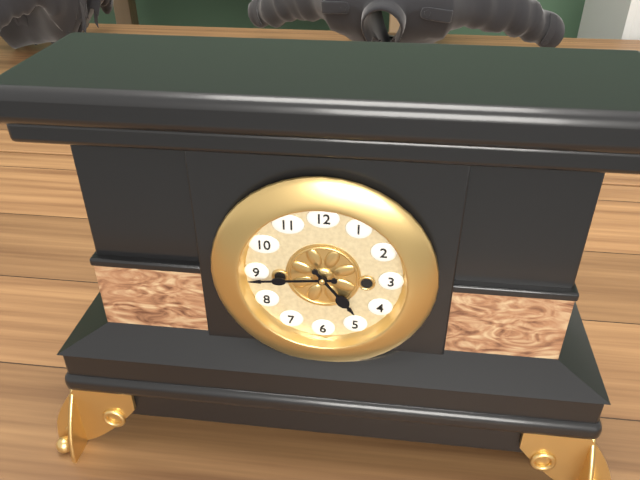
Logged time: **4:44**
